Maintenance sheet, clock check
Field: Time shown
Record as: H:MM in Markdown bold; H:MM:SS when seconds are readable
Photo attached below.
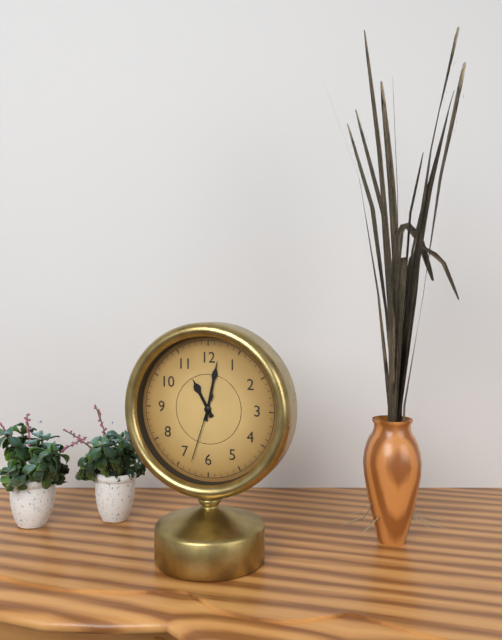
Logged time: **11:02:33**
